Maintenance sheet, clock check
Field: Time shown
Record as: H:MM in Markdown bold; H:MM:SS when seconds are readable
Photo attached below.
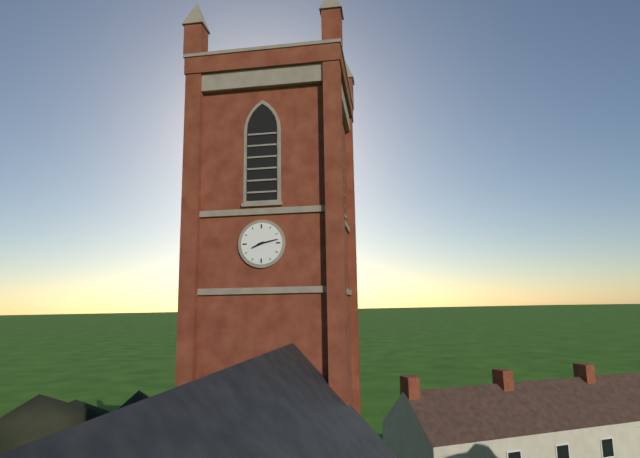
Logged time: **8:13**
